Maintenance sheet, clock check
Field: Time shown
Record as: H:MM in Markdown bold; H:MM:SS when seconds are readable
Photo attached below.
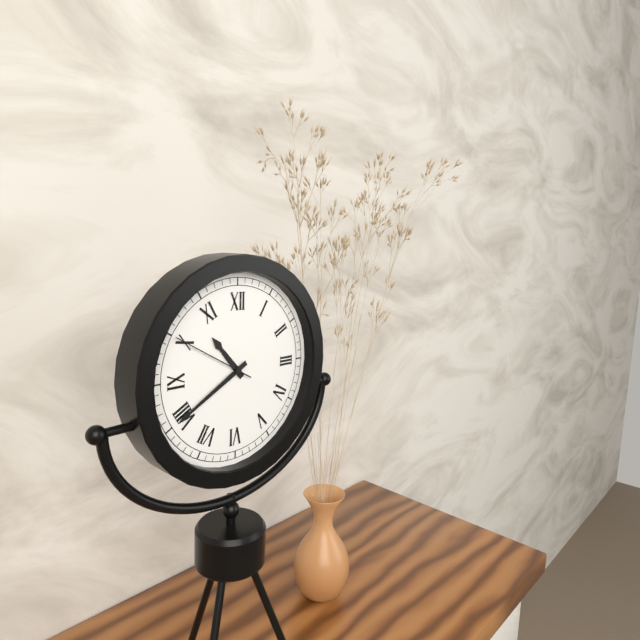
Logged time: **10:40:50**
